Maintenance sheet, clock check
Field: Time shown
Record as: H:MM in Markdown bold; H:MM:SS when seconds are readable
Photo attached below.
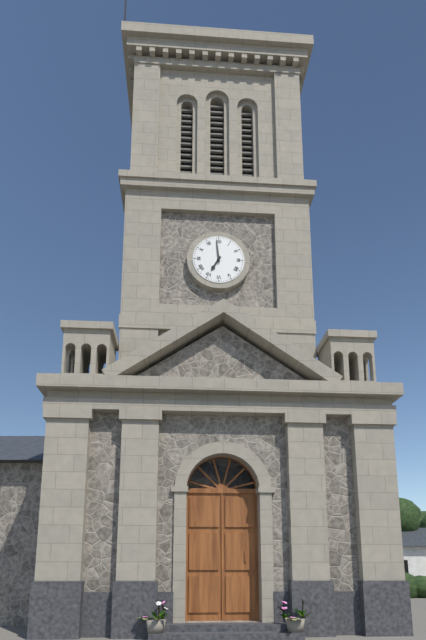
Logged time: **6:59**
